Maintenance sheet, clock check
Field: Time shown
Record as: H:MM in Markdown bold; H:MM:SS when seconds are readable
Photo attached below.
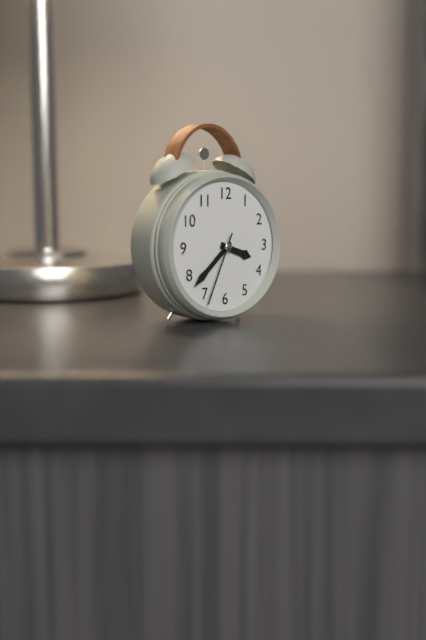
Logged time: **3:38:34**
